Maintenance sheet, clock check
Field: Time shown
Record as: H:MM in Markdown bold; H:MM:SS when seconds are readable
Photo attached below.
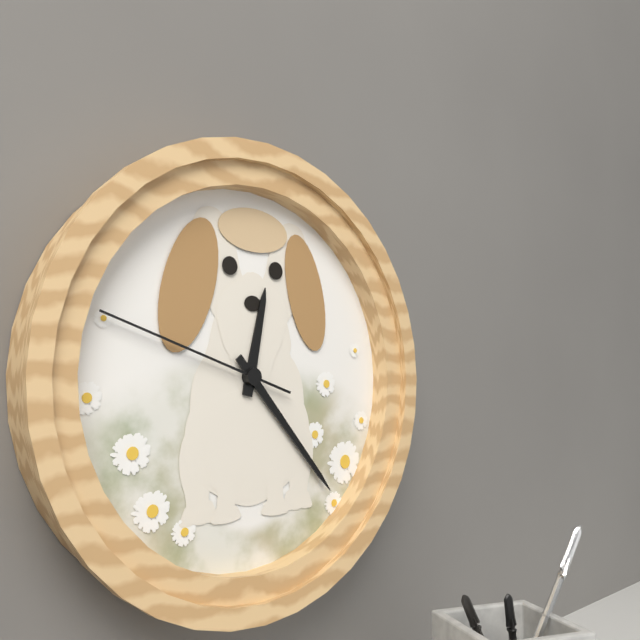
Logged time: **12:23:48**
